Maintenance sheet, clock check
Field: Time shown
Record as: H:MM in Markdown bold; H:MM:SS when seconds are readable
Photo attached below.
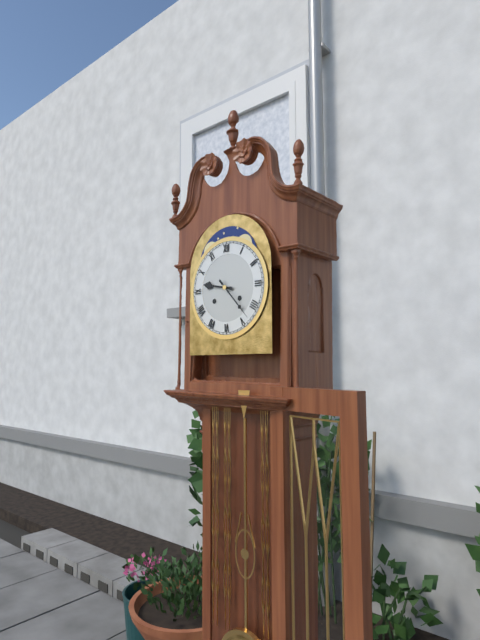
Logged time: **9:23**
